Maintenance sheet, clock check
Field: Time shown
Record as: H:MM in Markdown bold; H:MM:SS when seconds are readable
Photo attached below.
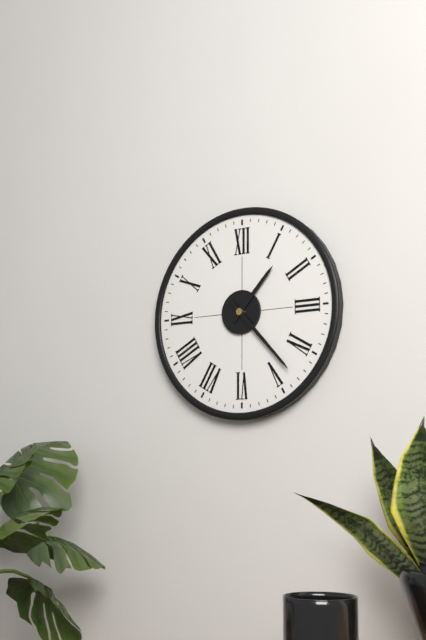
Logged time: **1:23**
